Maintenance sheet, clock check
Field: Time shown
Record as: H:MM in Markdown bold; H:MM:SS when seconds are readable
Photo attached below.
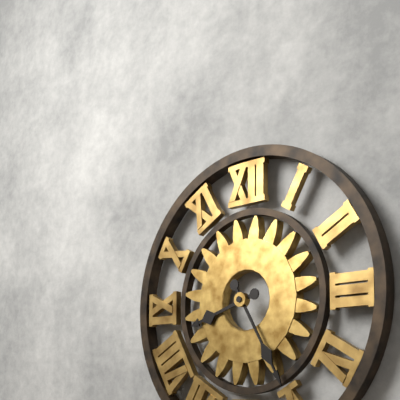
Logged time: **8:25**
